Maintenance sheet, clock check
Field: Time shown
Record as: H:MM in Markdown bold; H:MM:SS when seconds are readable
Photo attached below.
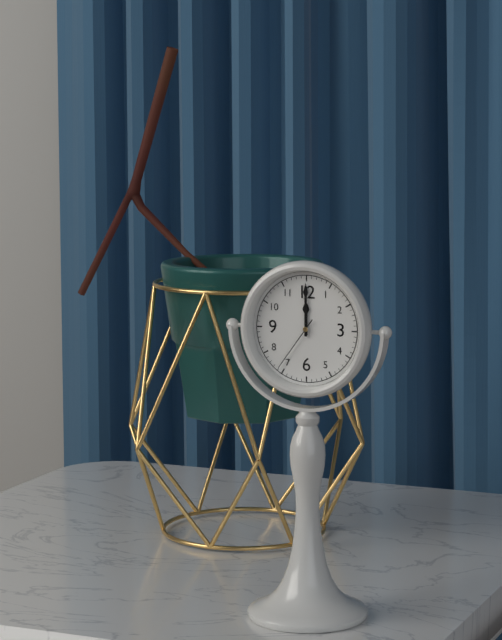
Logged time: **12:00:36**
